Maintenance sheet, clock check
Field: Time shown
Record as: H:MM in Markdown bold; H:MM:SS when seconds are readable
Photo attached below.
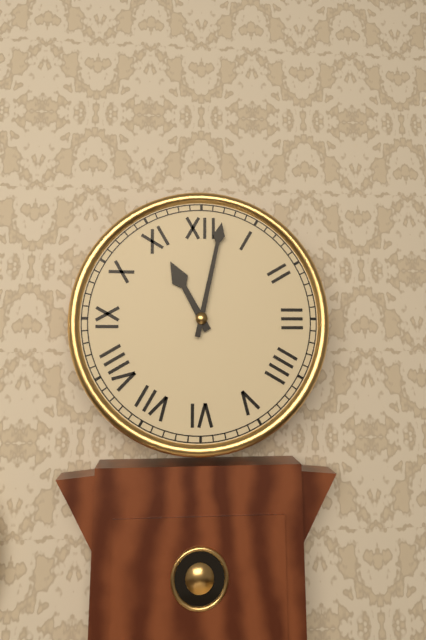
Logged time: **11:02**
